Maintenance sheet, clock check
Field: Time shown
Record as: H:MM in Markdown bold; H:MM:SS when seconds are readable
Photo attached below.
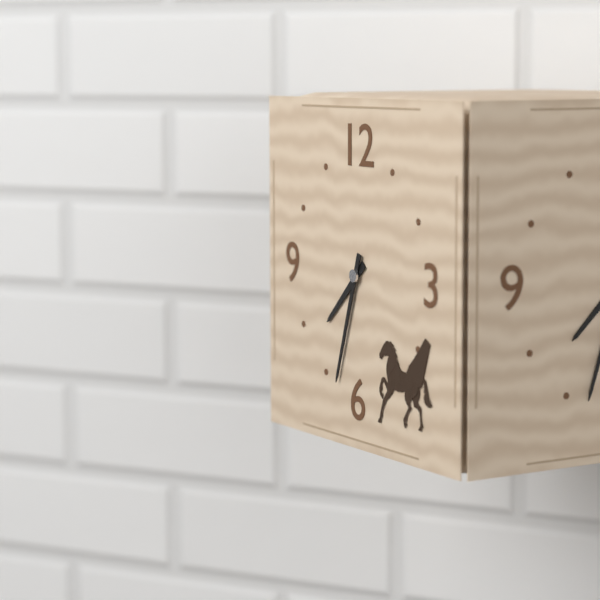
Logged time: **7:33**
